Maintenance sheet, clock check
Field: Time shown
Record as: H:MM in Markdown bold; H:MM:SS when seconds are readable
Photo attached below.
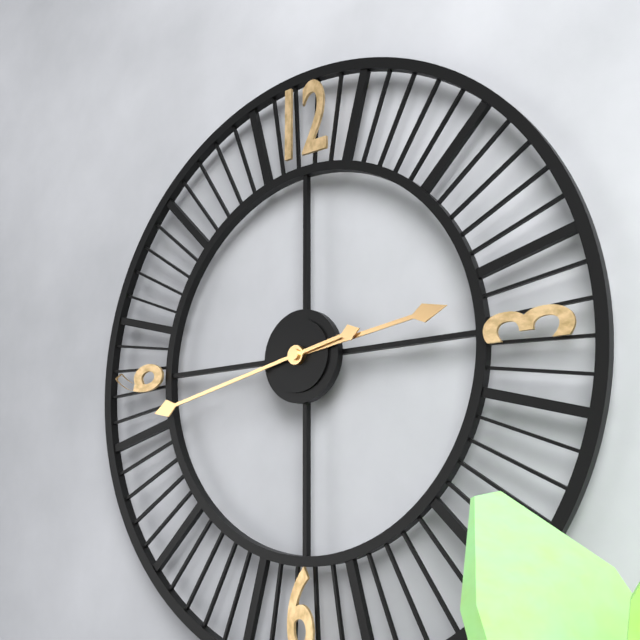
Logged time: **2:43**
